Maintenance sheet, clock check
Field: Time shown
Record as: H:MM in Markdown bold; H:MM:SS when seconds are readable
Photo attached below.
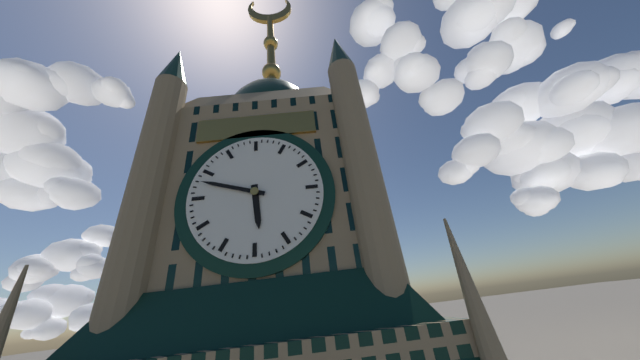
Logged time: **5:48**
